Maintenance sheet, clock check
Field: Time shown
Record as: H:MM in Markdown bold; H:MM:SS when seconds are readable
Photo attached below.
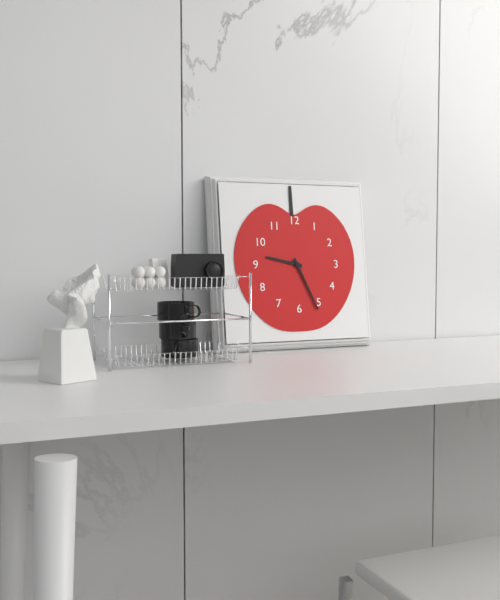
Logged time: **9:26**
